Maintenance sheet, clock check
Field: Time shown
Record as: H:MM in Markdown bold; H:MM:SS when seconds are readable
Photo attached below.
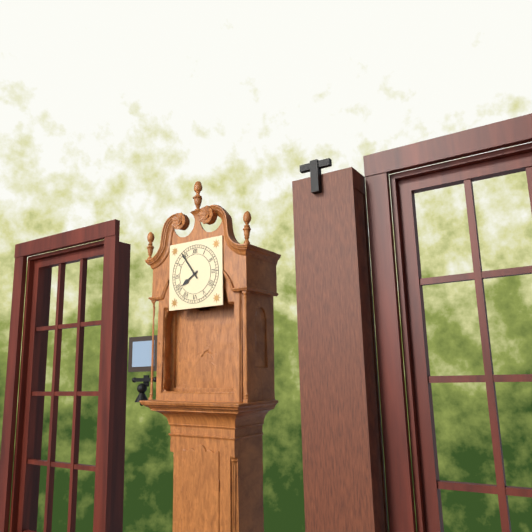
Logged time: **7:54**
